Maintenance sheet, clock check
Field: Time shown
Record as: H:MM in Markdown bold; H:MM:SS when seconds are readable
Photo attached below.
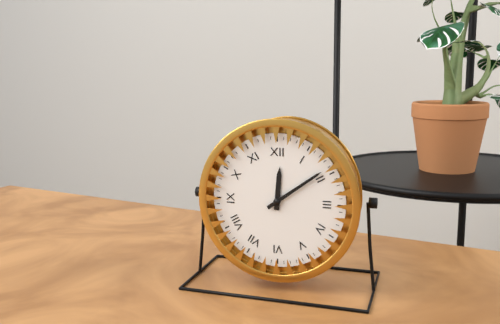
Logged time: **12:09**
